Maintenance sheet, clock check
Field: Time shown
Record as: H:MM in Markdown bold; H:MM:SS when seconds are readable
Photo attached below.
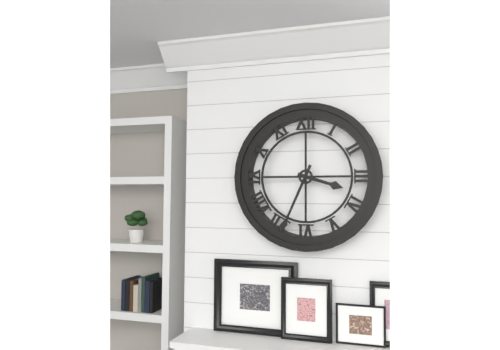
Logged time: **3:34**
